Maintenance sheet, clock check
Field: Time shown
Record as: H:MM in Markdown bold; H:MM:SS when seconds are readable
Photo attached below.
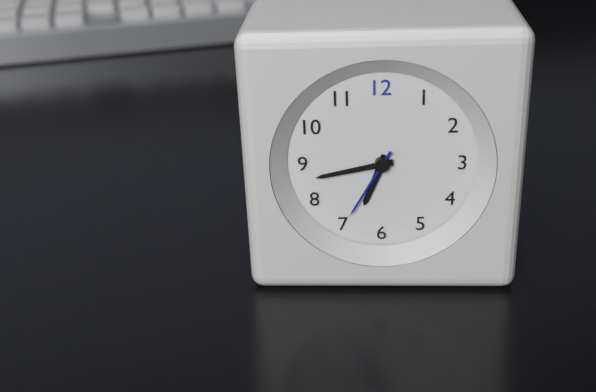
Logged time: **6:43:35**
